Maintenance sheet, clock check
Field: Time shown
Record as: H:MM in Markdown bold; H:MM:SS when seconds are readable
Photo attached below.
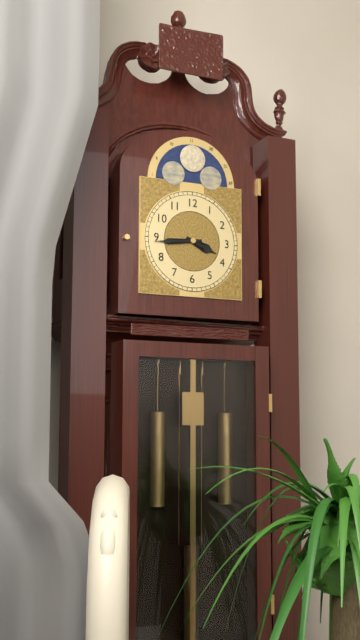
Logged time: **3:44**
